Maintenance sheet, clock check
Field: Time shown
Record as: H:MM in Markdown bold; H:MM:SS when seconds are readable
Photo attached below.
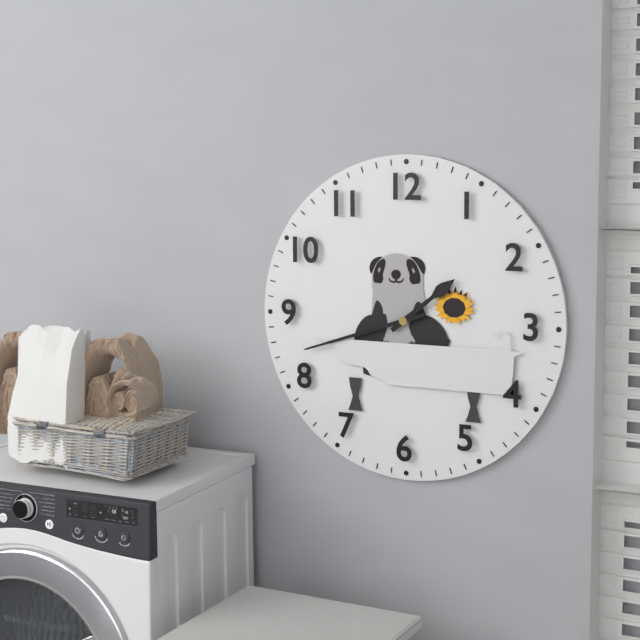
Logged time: **1:42**
